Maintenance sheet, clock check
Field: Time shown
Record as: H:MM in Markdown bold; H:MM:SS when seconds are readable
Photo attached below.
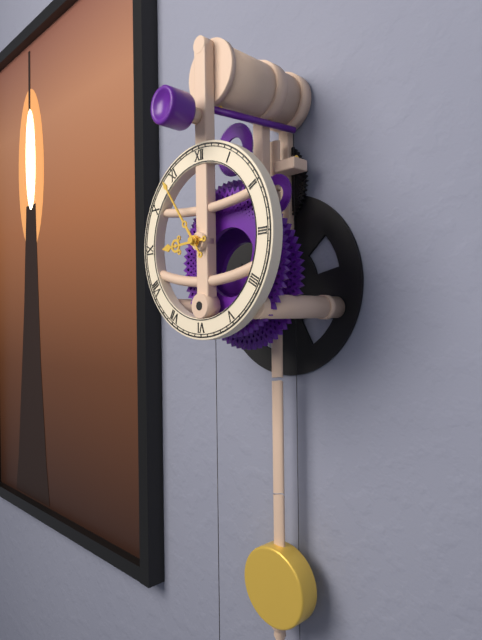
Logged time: **8:54**
